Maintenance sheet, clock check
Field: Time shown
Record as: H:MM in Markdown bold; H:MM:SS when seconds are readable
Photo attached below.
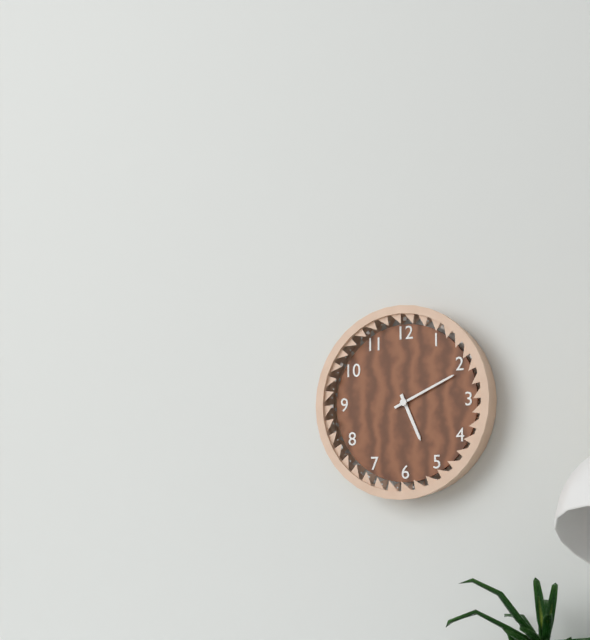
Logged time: **5:11**
